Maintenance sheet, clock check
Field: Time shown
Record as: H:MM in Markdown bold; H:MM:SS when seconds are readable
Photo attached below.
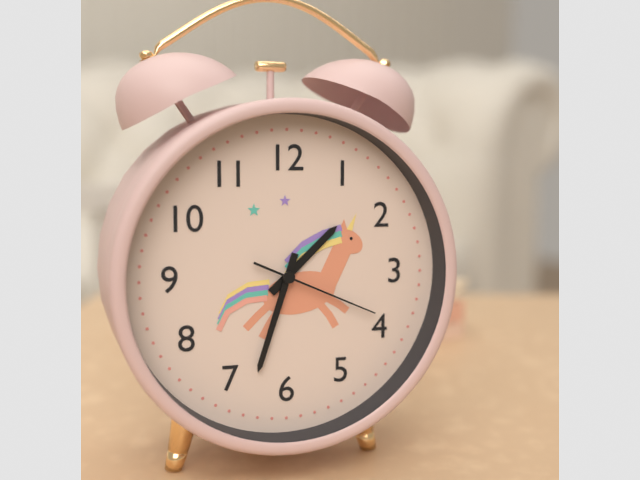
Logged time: **1:33:19**
